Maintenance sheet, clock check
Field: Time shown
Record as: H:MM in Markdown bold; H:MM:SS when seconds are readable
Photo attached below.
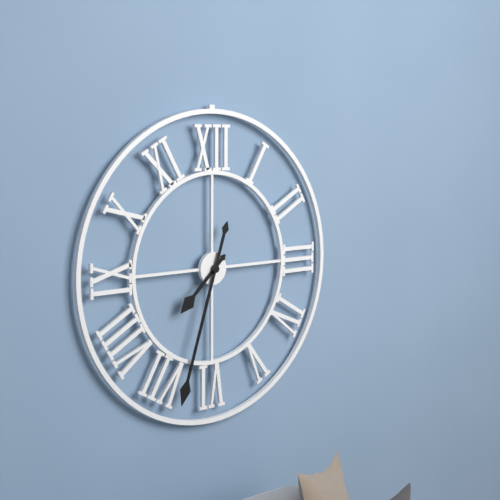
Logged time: **7:33**
